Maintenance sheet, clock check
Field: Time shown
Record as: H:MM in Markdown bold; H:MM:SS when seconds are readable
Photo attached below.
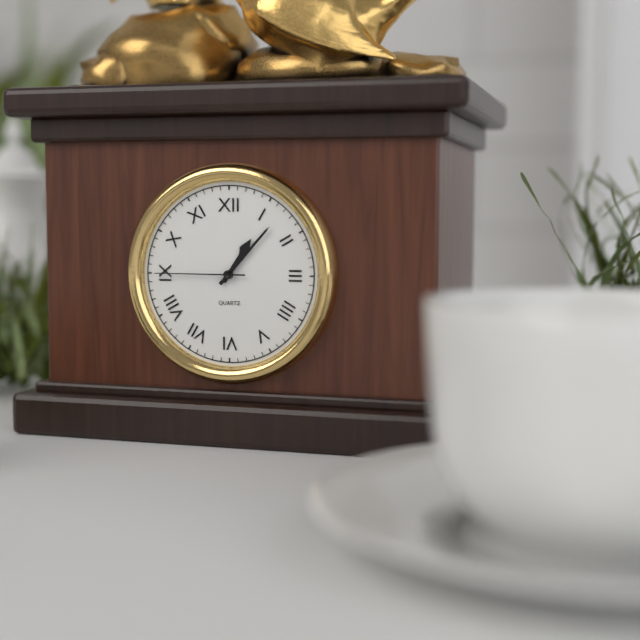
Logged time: **1:07:45**
